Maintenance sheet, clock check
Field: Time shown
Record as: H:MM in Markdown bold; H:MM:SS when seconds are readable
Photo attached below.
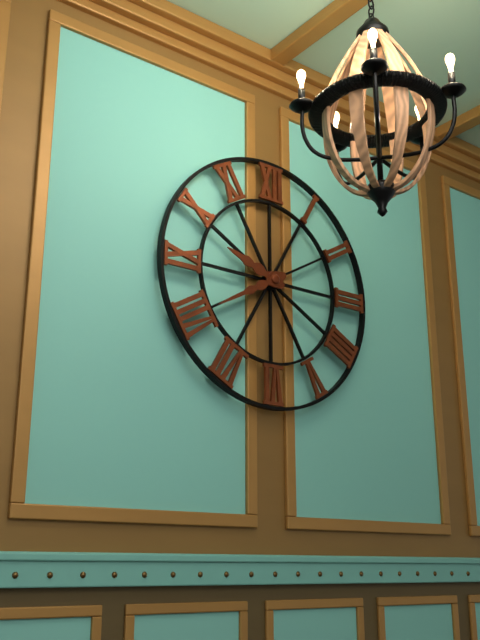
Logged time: **9:40**
